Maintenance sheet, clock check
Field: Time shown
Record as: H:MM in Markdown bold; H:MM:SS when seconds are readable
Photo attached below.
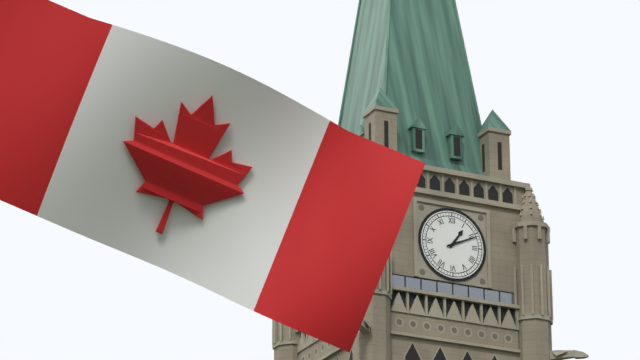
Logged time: **1:11**
